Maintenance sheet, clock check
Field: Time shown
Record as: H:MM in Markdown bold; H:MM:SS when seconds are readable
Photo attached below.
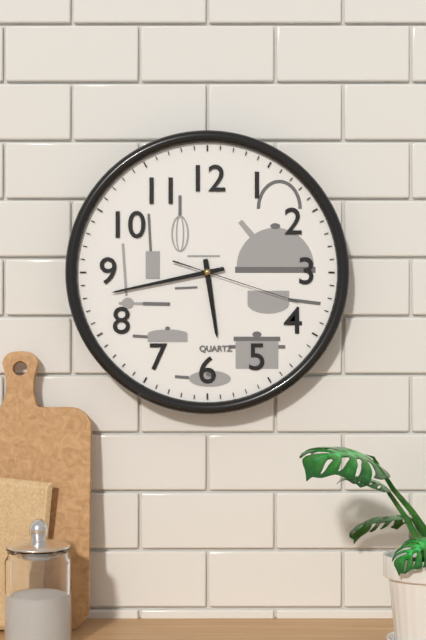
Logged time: **5:43:18**
